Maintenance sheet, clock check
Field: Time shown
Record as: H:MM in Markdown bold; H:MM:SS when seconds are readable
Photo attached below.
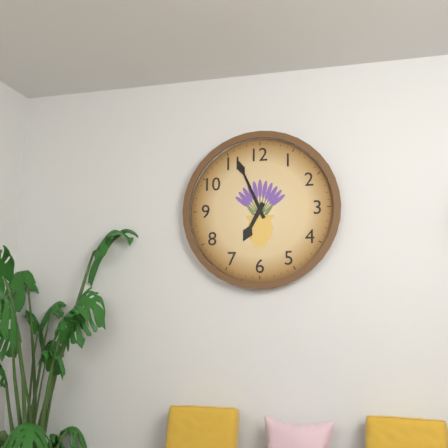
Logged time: **6:56**
